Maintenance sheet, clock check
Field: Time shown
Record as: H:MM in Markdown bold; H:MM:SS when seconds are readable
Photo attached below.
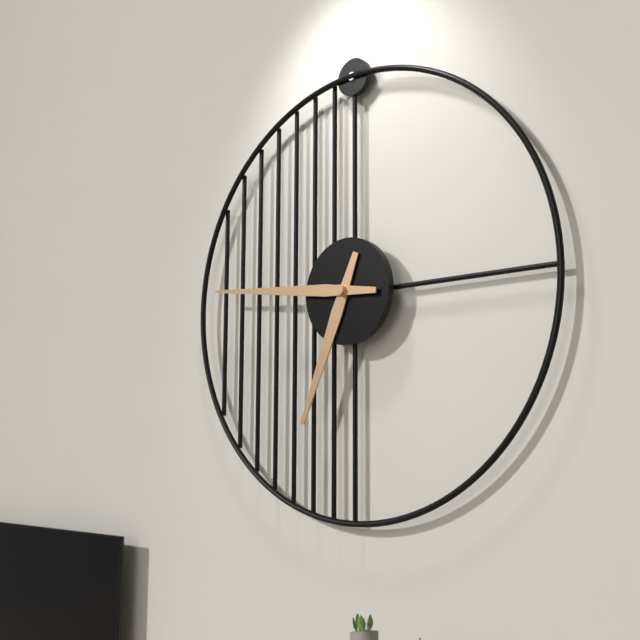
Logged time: **6:46**
